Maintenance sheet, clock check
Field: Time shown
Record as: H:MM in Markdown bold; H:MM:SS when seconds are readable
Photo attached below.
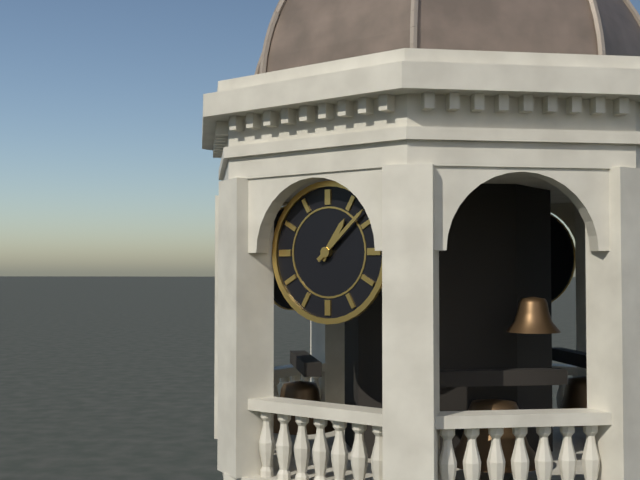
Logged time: **1:08**
